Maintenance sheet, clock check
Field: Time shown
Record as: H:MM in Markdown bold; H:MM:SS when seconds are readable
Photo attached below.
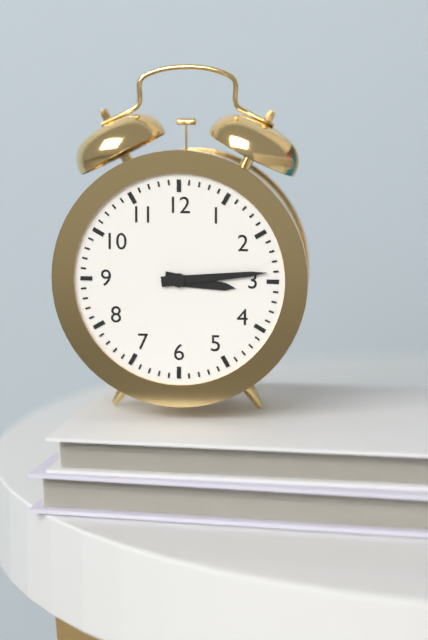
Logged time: **3:14**
